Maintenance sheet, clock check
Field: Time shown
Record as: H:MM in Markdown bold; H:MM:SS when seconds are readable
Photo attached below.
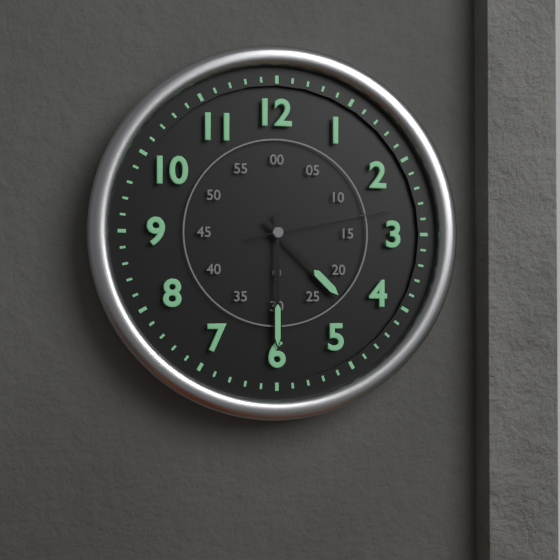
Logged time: **4:30:13**
